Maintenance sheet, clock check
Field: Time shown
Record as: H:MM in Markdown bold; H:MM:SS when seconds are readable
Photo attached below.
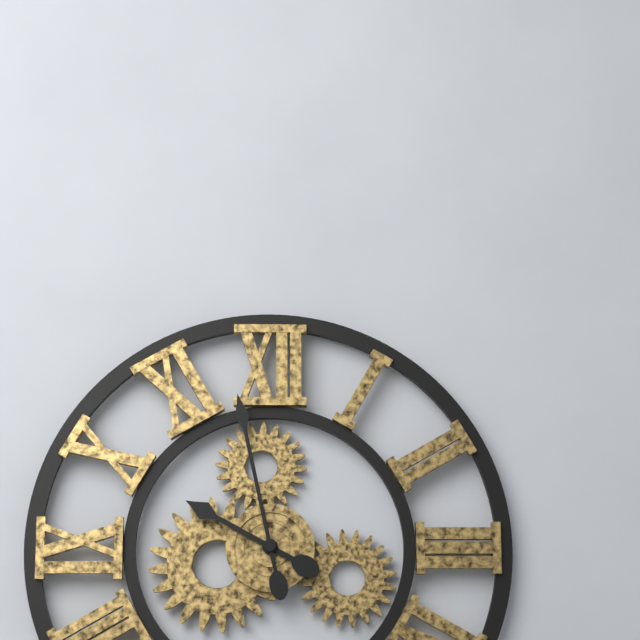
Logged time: **9:58**
